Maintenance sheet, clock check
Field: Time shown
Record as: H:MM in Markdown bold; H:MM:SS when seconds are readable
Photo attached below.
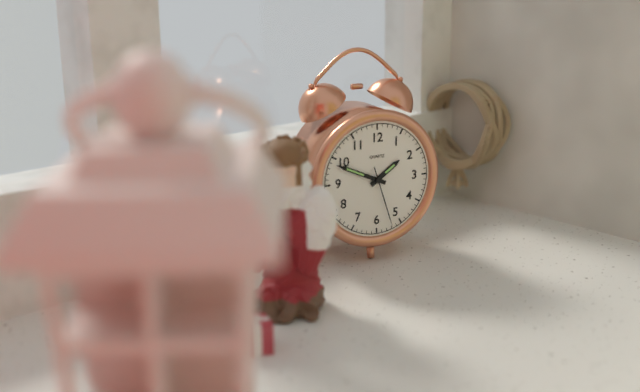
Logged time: **1:49:27**
